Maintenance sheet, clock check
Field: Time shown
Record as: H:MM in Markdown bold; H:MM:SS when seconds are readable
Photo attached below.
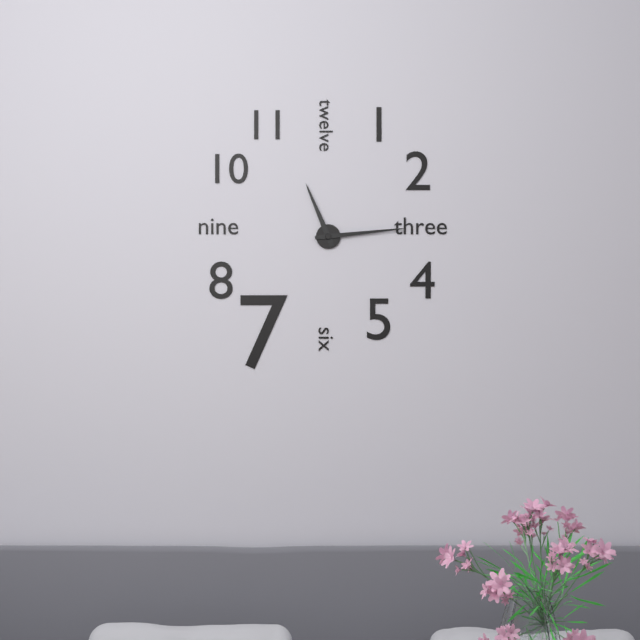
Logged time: **11:14**
